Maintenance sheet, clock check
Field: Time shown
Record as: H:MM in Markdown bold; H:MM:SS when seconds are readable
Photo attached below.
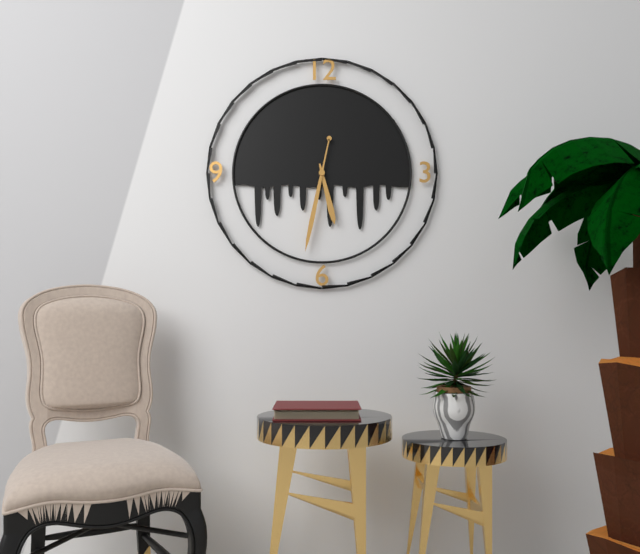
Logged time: **5:32**
